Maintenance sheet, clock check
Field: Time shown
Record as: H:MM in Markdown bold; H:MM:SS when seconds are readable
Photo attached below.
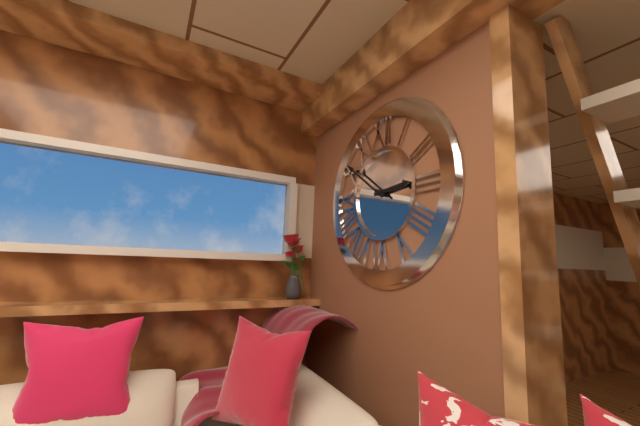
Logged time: **2:51**
